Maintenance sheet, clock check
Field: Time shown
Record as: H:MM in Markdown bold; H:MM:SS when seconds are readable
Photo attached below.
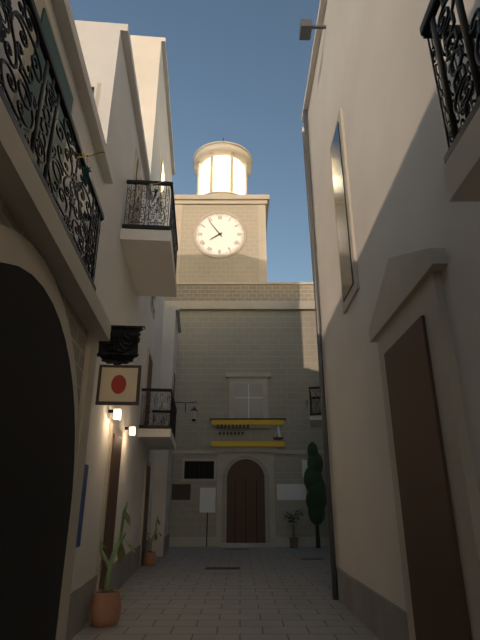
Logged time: **7:54**
